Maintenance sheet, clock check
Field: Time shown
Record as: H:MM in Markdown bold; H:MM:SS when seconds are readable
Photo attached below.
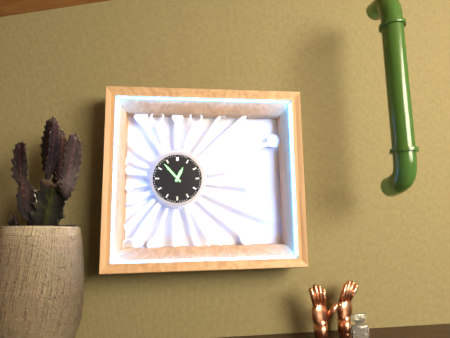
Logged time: **12:53**
